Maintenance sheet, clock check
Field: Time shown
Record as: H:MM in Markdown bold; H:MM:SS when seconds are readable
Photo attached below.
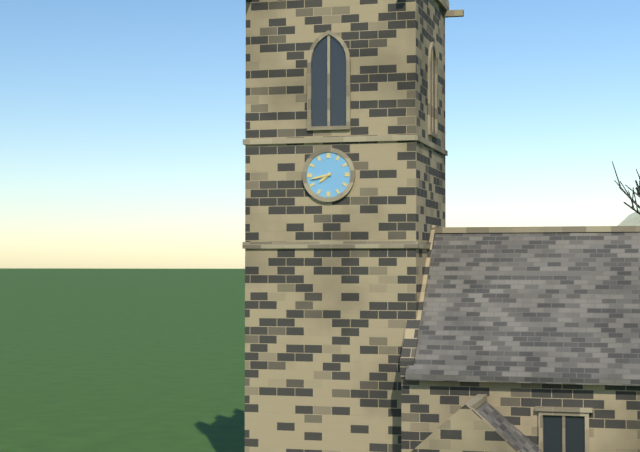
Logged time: **7:43**
